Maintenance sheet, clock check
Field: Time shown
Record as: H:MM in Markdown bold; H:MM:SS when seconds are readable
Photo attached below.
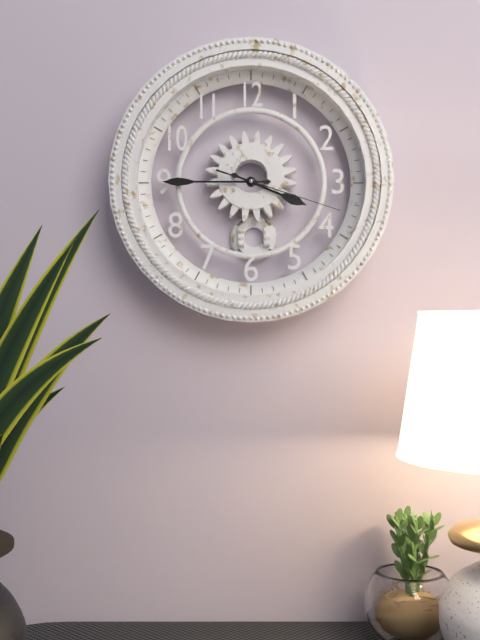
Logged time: **3:45:18**
